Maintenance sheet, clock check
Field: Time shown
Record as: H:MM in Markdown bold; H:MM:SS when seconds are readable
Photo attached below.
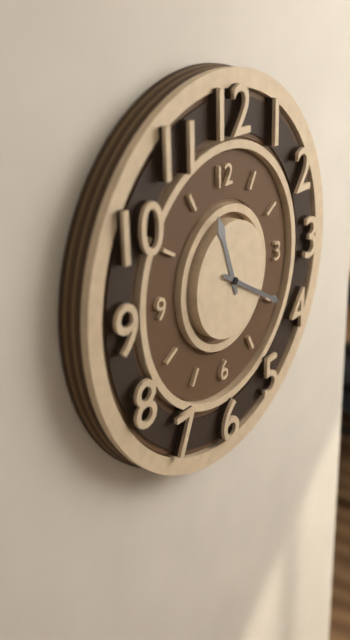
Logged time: **11:20**
